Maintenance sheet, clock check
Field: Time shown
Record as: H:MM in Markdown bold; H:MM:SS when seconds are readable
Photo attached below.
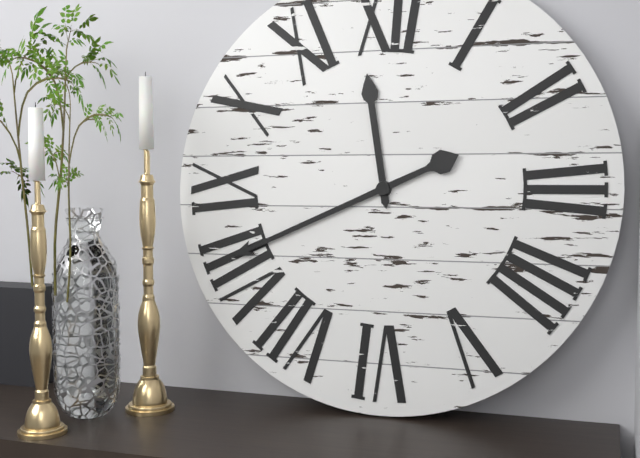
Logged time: **11:41**
